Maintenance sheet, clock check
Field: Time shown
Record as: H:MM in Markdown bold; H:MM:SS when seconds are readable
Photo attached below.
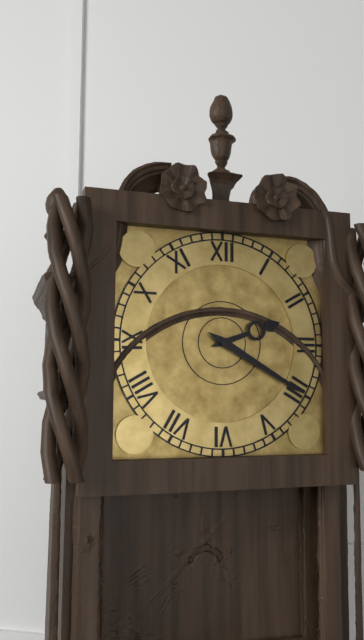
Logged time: **2:20**
